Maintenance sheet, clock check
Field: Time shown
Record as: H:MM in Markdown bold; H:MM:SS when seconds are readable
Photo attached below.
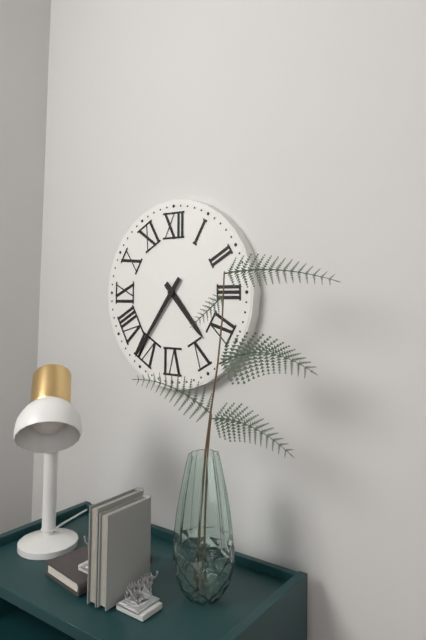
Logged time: **4:36**
